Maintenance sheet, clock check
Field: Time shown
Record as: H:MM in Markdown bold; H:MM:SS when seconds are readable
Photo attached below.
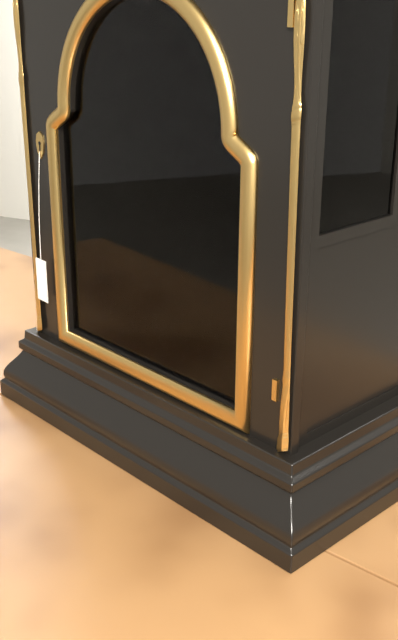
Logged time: **8:15**
